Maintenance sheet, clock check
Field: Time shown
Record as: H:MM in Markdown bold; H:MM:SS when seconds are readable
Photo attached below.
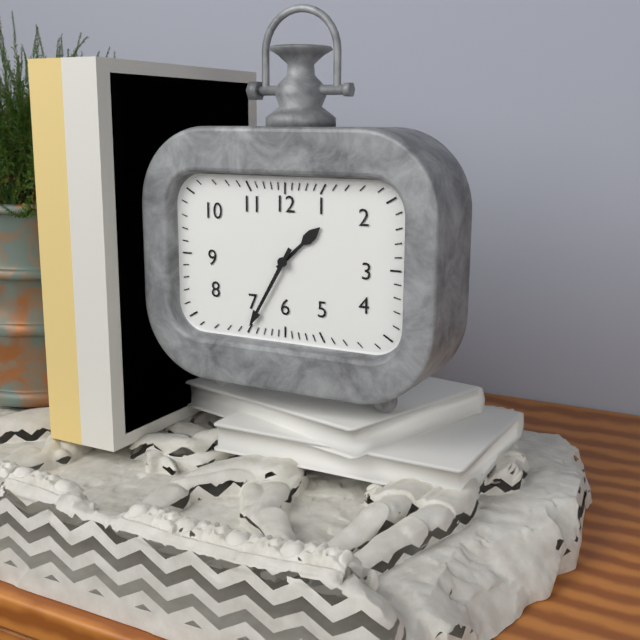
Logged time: **1:35**
